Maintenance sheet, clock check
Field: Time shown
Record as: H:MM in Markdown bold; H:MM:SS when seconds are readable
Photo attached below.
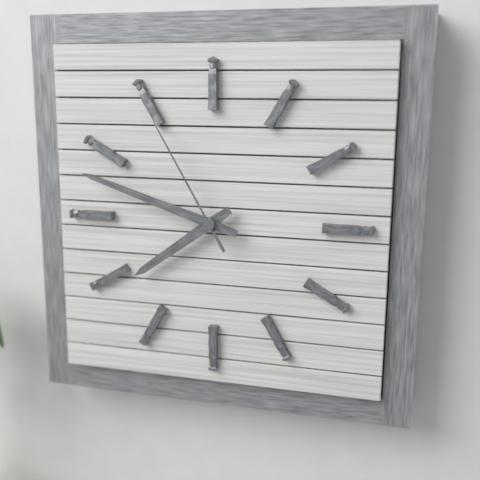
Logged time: **7:48:55**
